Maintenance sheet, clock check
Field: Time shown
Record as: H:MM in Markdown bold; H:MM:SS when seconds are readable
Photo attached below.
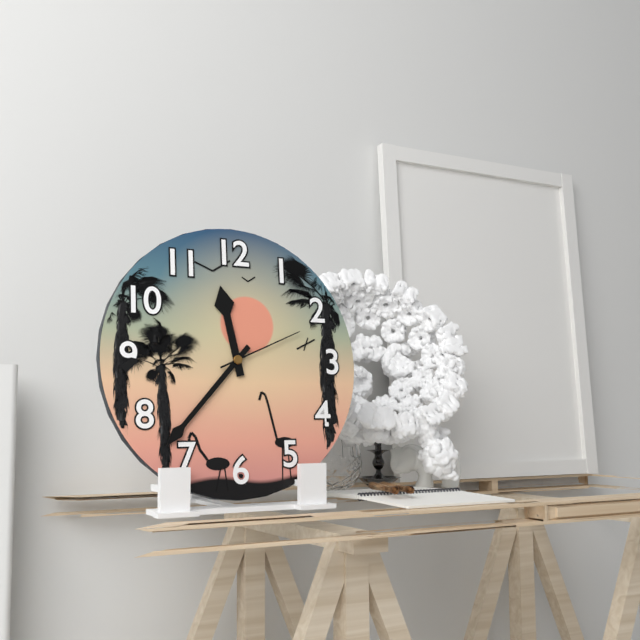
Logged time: **11:37:11**
